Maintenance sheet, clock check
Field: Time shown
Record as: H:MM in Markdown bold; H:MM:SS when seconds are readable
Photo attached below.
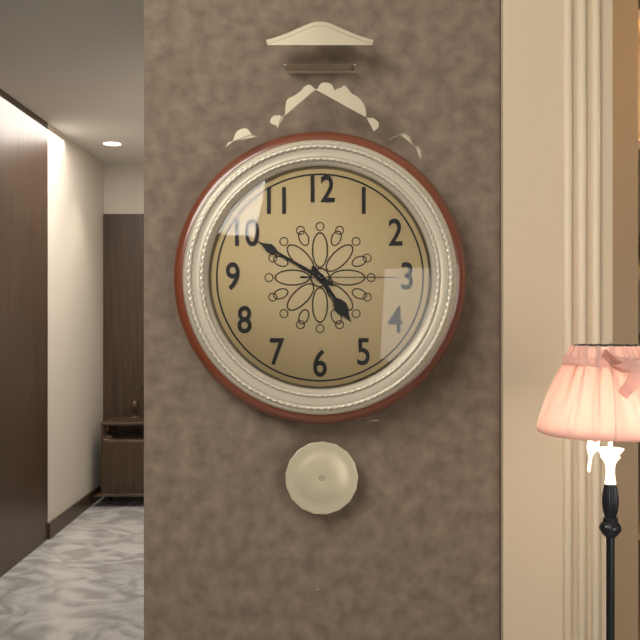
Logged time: **4:50:15**
